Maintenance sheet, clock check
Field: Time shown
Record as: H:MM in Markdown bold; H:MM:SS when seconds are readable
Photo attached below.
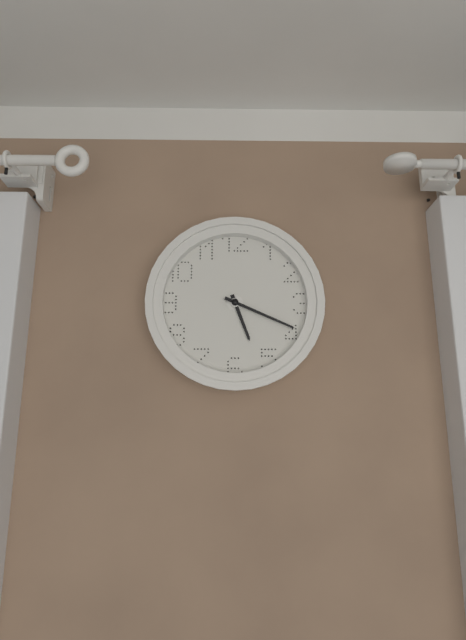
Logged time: **5:19**
